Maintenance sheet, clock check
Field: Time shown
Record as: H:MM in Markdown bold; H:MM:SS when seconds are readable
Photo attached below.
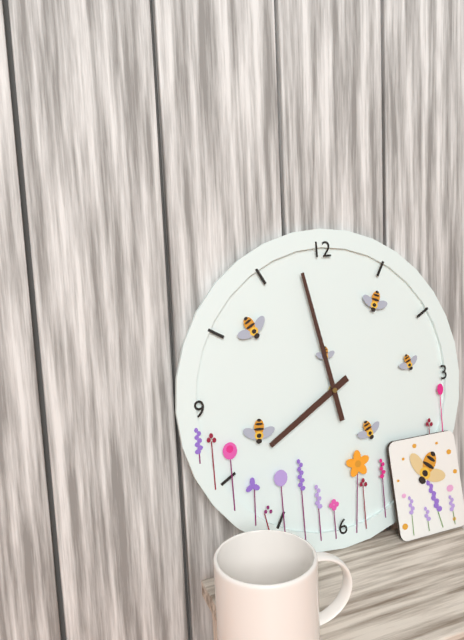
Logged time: **7:58**
